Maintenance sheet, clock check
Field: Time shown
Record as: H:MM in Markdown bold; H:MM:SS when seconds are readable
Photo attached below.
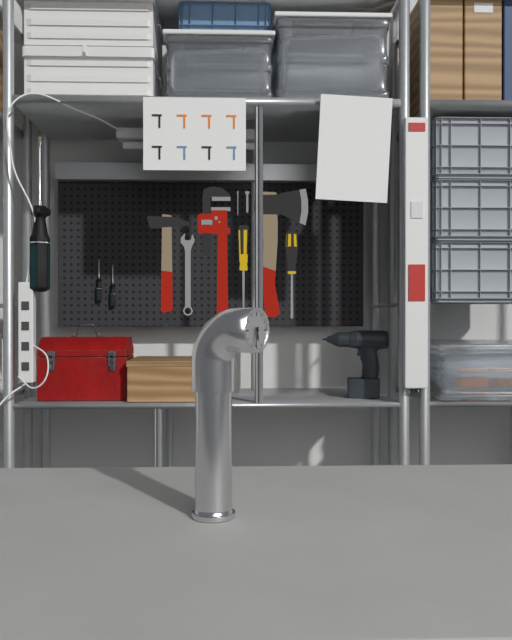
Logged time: **5:32**
